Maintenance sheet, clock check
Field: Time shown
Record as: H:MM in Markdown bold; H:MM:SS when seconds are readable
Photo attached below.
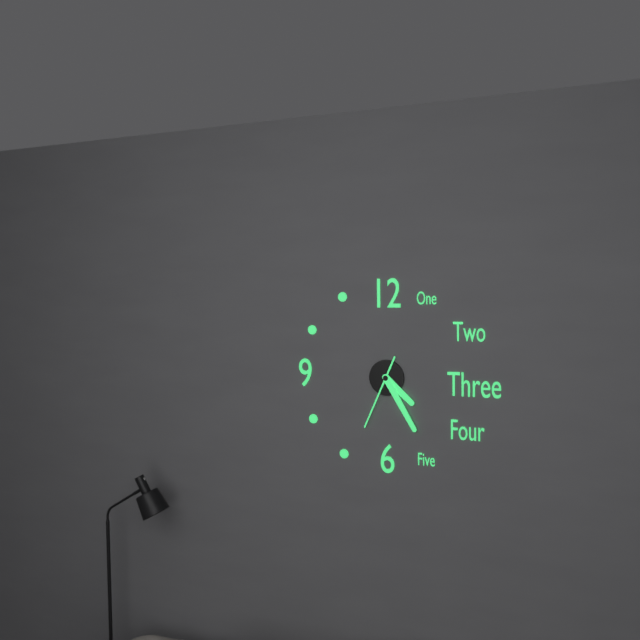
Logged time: **4:25:34**
